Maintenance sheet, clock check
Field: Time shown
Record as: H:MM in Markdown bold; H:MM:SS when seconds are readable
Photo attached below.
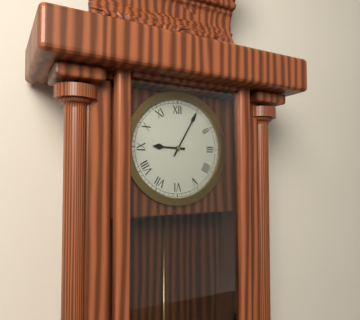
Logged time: **9:05**
